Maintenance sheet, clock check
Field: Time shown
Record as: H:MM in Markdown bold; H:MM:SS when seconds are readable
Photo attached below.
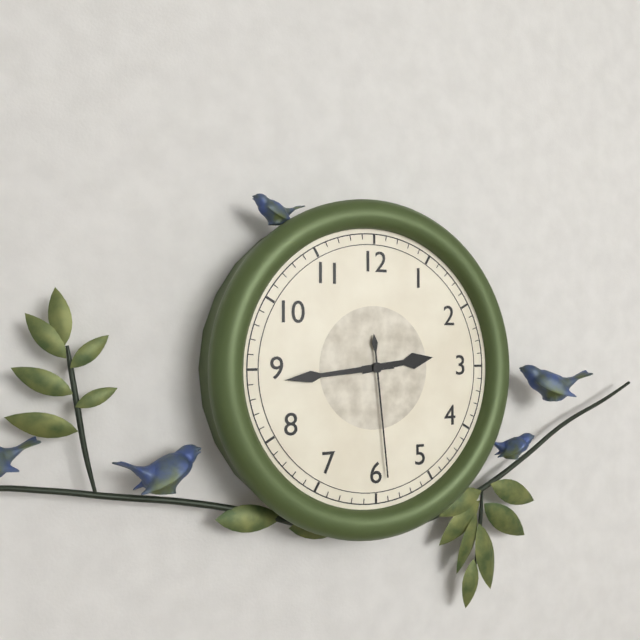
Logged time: **2:44:29**
